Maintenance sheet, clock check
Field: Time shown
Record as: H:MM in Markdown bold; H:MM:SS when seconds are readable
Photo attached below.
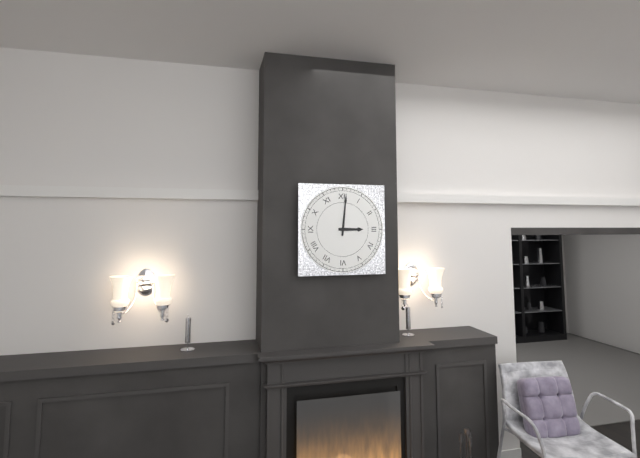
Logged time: **3:01**
